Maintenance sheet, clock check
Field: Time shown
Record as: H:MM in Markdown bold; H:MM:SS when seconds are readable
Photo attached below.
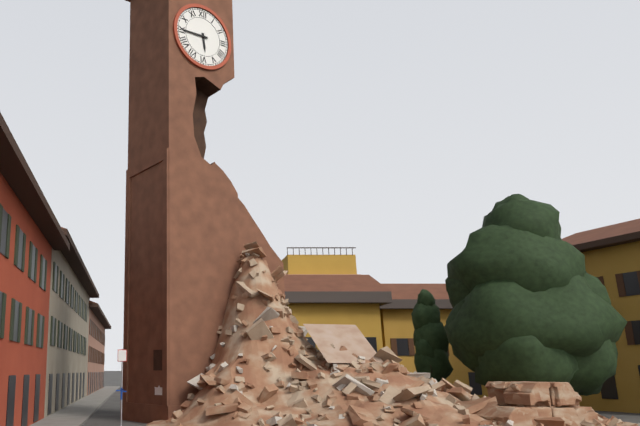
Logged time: **5:45**
